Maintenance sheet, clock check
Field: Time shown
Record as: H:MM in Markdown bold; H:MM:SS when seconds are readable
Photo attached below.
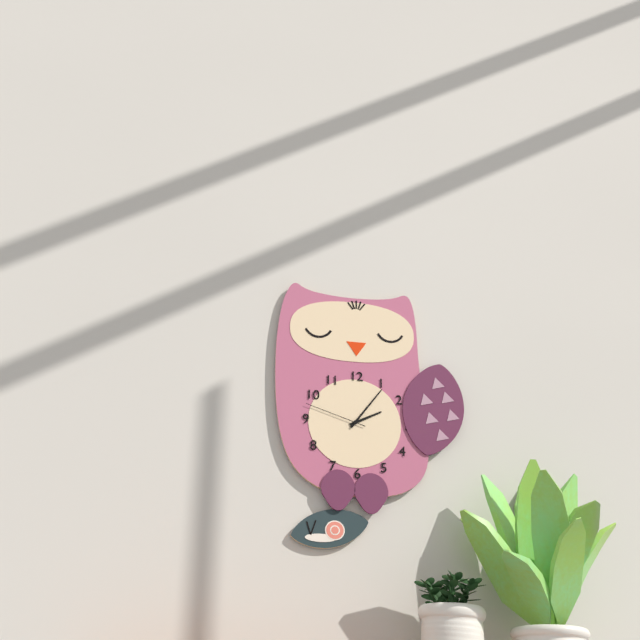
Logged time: **2:06:48**
